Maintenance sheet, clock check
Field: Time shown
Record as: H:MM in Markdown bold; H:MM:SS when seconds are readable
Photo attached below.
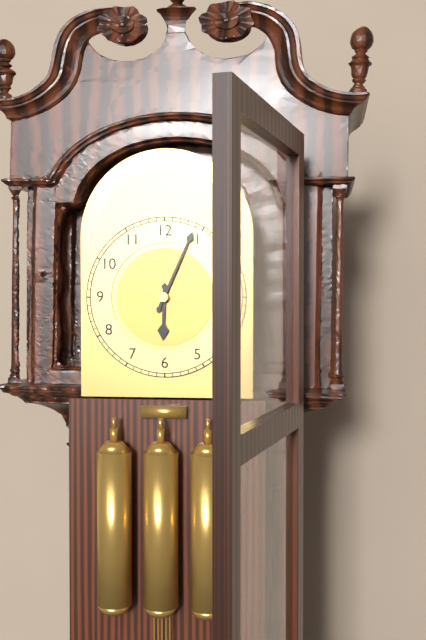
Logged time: **6:04**
